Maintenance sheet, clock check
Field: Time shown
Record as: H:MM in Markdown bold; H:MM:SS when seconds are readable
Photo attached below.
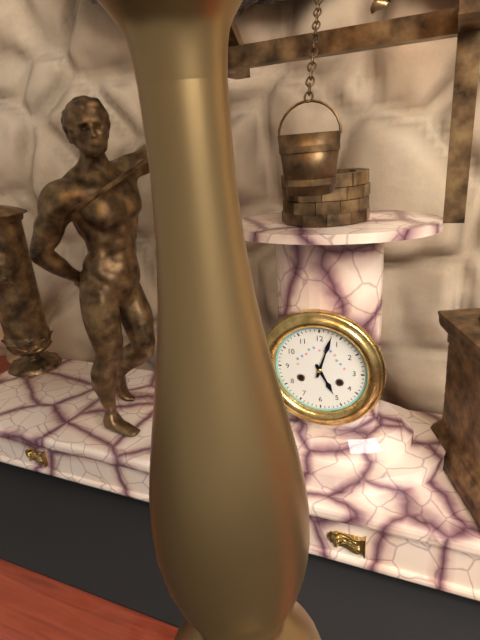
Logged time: **5:03**
